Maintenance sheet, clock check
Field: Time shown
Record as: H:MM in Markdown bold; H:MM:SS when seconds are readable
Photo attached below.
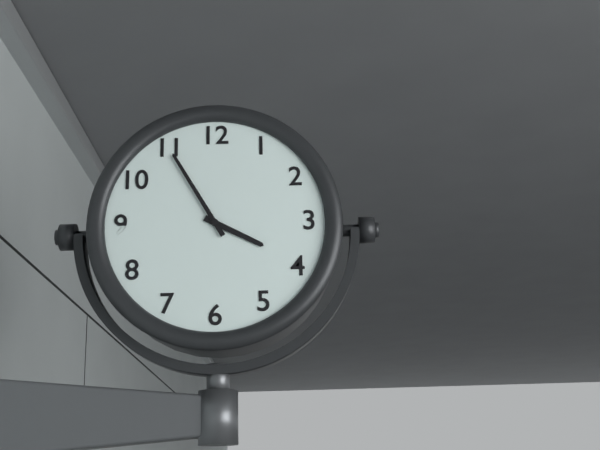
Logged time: **3:55**
